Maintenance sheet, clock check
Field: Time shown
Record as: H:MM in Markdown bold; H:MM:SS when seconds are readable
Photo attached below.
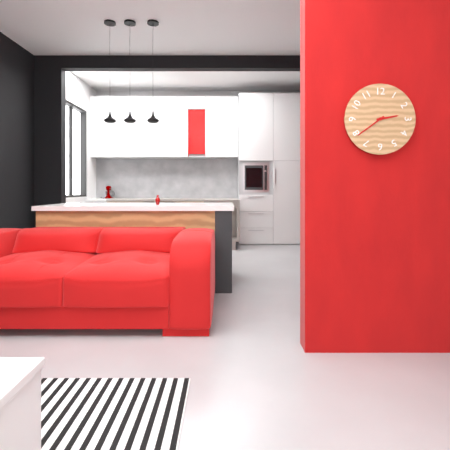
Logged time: **2:39**
